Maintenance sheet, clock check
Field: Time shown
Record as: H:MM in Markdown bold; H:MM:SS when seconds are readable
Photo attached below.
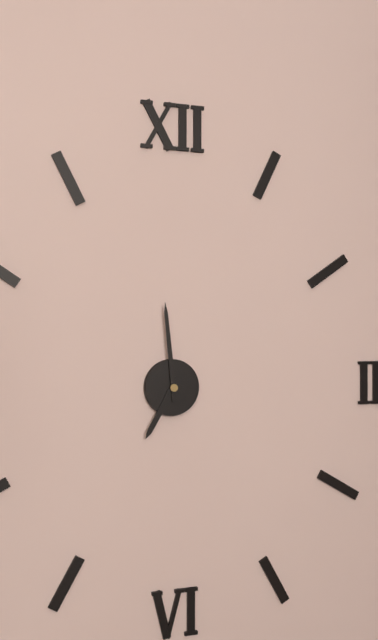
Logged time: **6:59**
